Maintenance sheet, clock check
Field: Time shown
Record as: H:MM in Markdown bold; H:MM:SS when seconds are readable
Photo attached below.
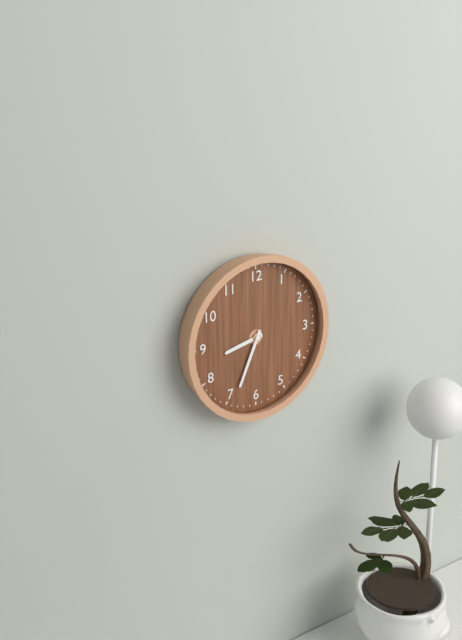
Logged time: **8:34**
